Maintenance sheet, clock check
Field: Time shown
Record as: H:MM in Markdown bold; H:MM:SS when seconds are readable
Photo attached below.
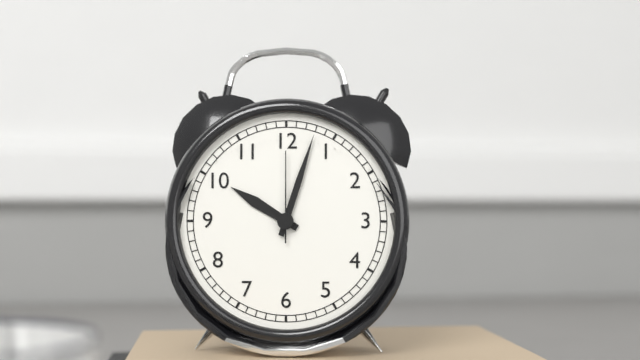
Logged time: **10:03:00**
